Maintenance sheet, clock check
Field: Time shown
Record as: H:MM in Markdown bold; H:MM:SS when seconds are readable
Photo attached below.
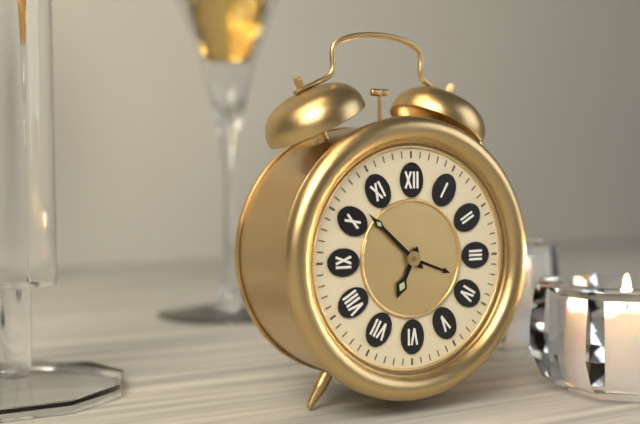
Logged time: **6:52**
